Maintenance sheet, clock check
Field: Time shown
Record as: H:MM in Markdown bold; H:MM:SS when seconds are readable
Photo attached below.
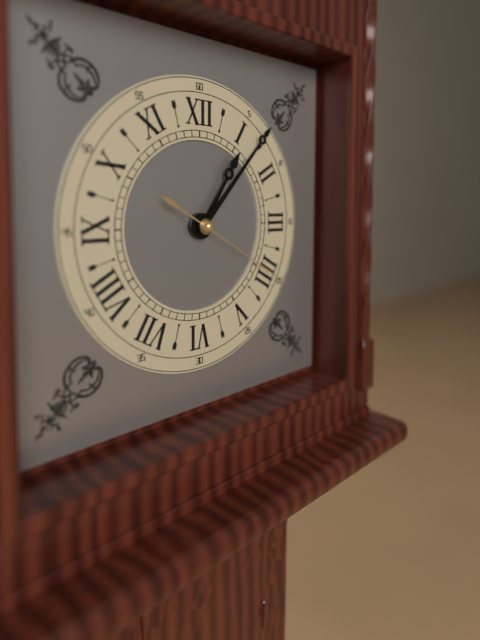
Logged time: **1:07:20**
